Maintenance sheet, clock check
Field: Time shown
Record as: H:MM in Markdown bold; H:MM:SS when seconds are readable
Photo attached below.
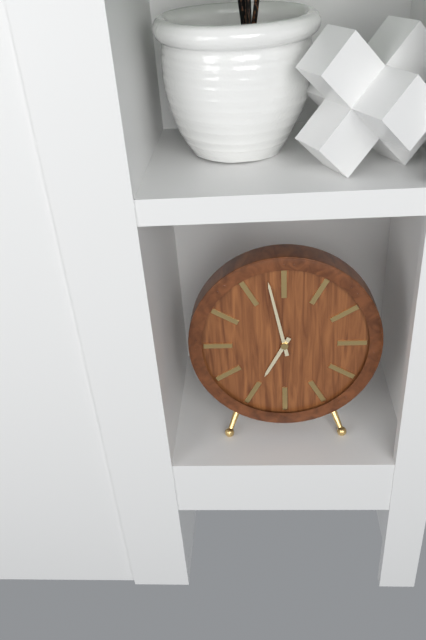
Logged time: **6:58**
